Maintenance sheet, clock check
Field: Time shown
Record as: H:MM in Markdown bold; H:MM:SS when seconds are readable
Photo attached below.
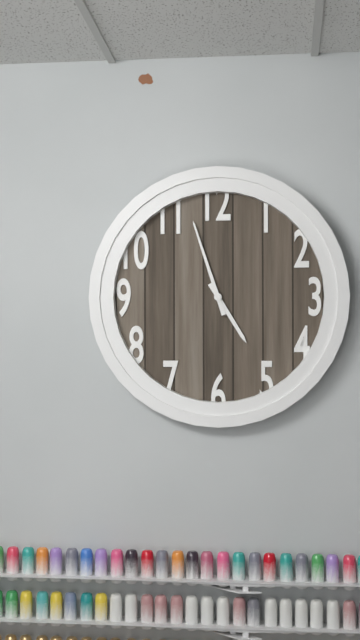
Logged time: **4:57**
